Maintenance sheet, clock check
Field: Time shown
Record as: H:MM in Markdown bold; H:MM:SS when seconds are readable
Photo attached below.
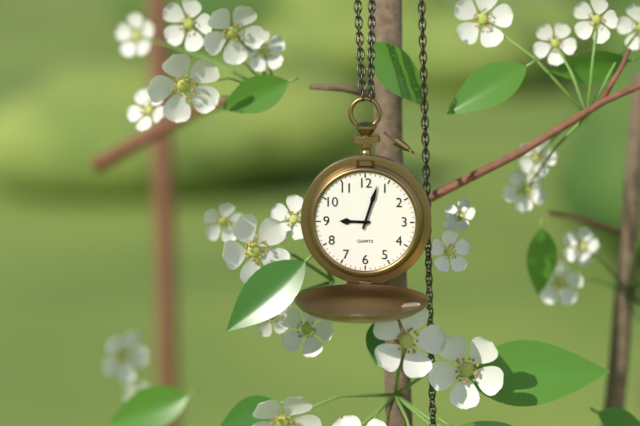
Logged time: **9:03**
